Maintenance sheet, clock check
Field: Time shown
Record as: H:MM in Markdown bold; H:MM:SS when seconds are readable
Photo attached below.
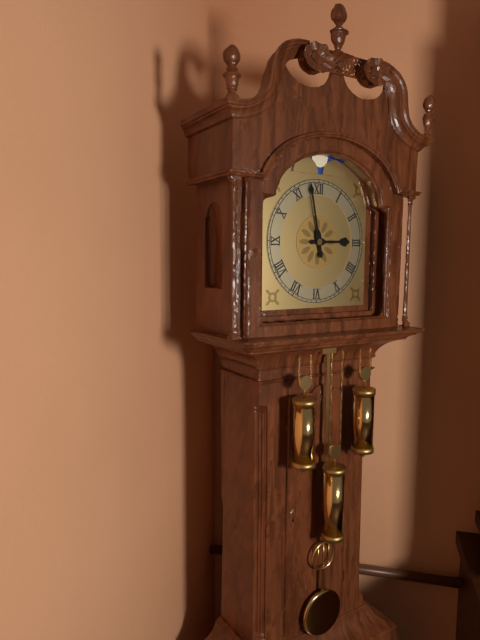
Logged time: **2:58**
